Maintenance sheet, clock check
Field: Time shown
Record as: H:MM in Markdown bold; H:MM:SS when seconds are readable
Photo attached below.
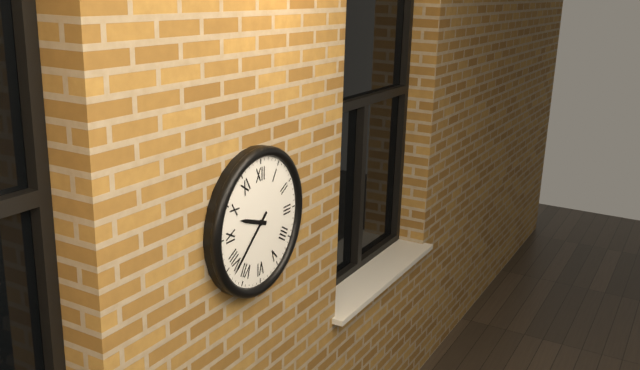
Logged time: **9:38**
